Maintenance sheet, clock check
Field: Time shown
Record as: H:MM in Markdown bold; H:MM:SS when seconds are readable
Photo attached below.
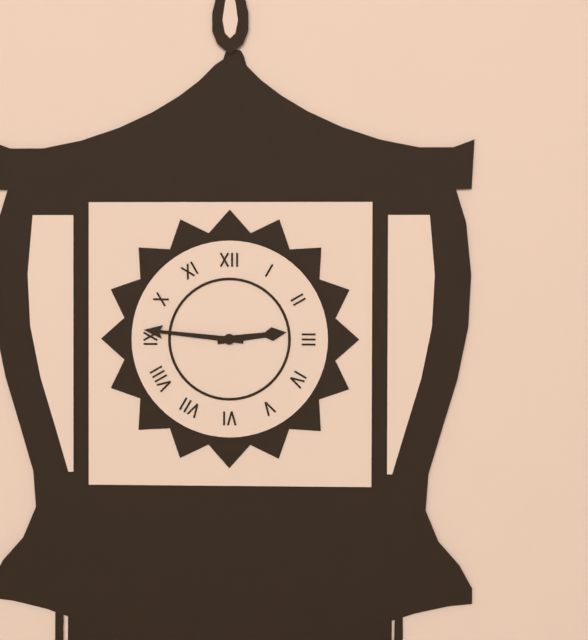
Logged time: **2:46**
